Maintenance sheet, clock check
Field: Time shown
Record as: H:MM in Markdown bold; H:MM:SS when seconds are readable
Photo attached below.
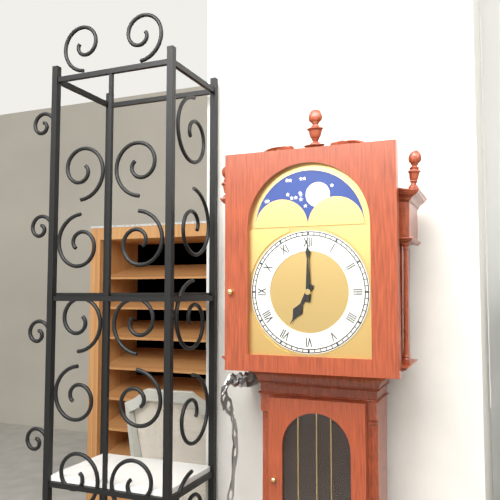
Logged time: **7:00**
